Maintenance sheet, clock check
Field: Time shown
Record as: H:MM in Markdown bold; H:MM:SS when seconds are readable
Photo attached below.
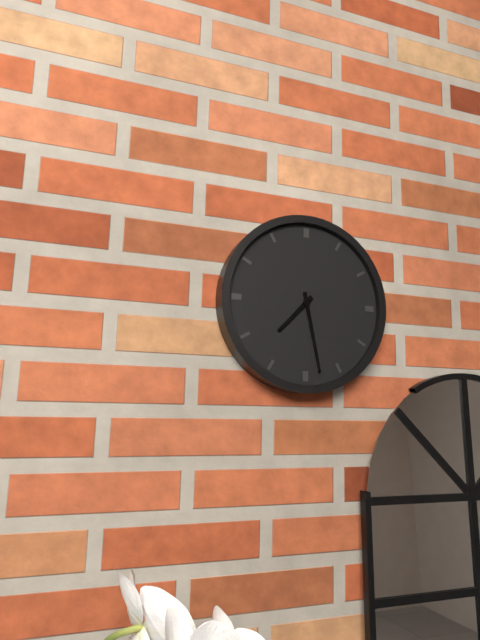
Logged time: **7:28**
